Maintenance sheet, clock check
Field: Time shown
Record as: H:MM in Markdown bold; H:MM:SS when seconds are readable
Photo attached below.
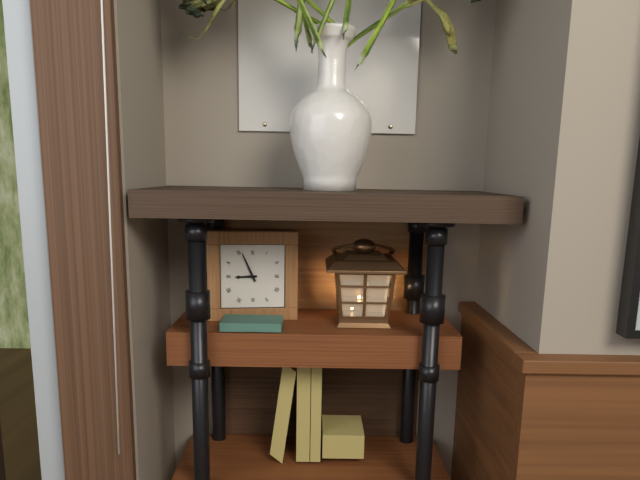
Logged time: **8:56**
